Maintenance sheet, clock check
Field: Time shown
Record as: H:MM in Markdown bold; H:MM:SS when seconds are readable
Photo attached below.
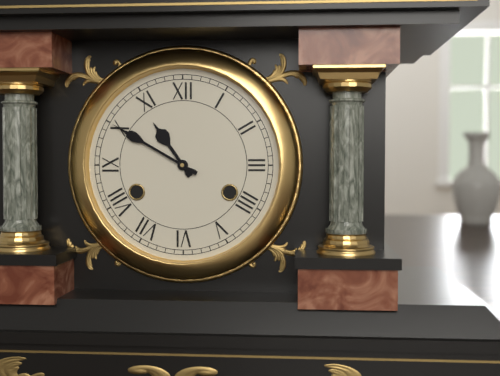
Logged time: **10:50**
